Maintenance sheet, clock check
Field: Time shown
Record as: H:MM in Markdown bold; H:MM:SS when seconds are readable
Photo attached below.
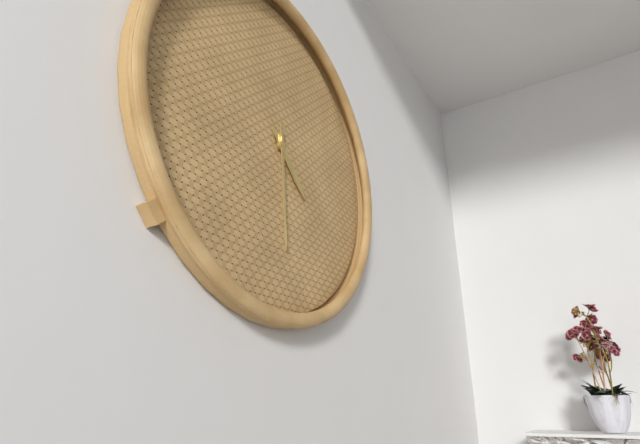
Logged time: **4:29**
